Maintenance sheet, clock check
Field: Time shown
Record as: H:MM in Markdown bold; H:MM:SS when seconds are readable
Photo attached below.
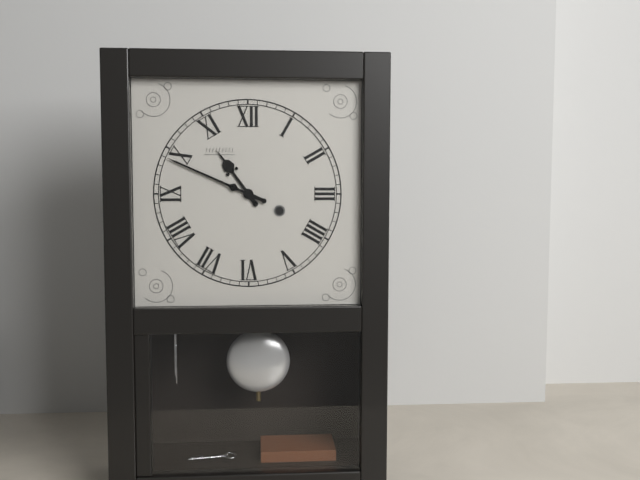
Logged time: **10:49**
